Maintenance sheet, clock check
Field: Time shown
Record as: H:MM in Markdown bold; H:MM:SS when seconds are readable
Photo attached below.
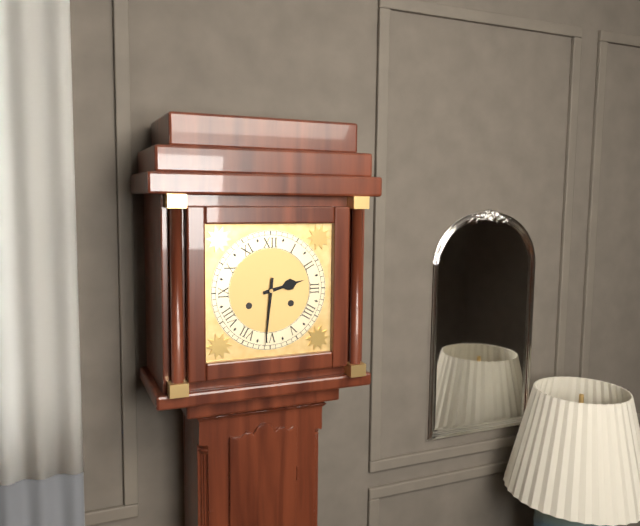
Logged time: **2:31**
